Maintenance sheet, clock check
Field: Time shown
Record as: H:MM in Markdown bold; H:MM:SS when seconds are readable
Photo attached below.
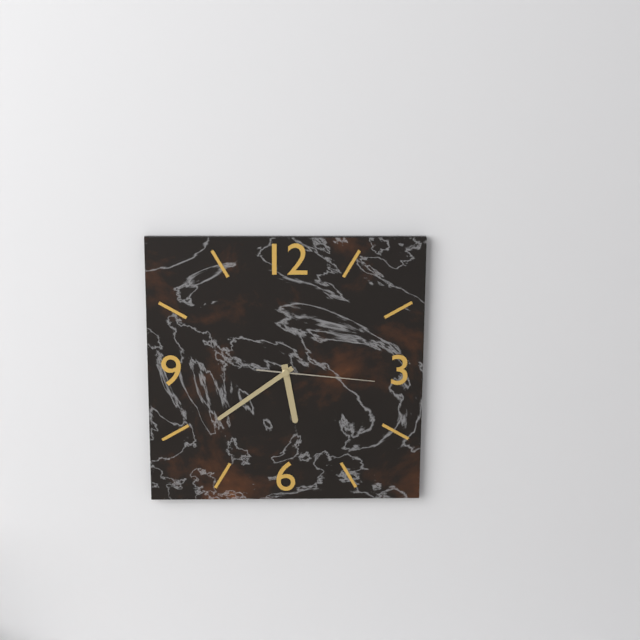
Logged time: **5:39:16**
